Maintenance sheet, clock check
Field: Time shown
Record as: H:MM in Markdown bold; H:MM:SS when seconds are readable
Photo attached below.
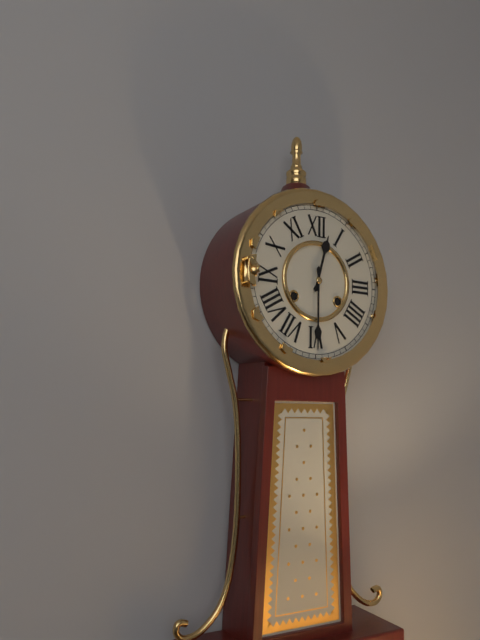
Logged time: **12:30**
